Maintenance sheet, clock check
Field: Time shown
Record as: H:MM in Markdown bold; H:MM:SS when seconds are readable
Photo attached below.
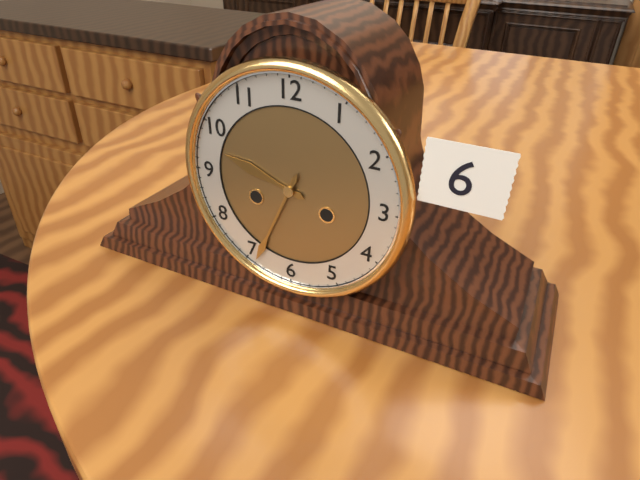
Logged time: **9:34**
